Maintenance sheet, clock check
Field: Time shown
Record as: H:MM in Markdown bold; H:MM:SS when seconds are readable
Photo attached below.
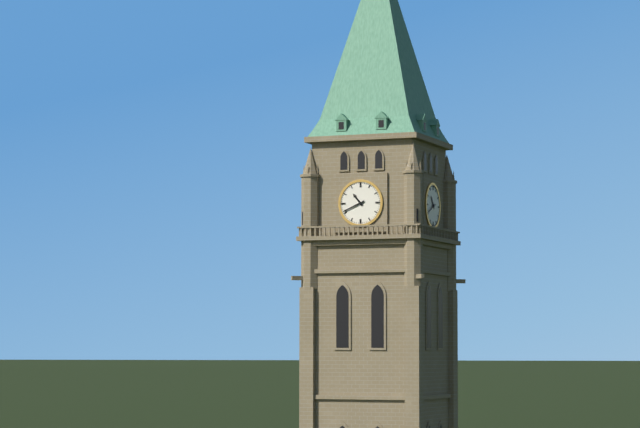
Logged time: **10:41**
